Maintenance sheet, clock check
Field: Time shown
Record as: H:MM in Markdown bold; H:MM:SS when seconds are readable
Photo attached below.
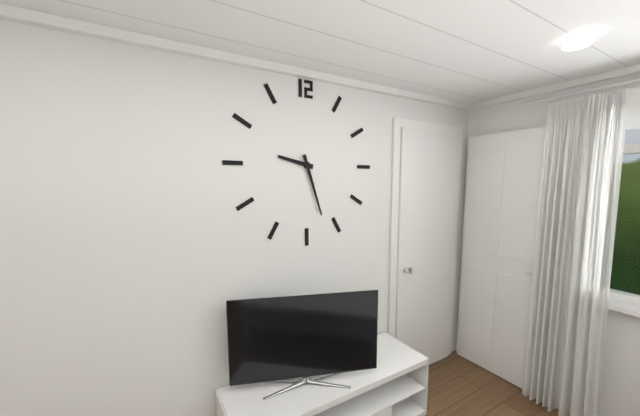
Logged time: **9:27**
